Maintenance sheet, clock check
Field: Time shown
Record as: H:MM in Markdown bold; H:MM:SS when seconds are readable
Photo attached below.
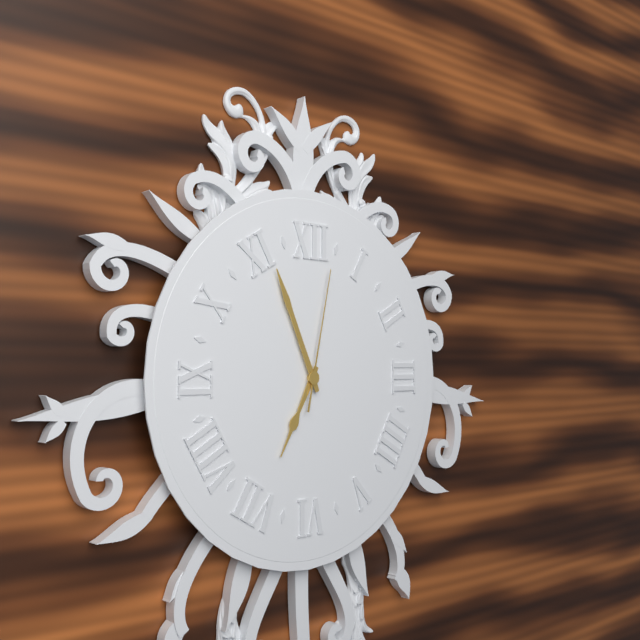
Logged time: **6:56:02**
